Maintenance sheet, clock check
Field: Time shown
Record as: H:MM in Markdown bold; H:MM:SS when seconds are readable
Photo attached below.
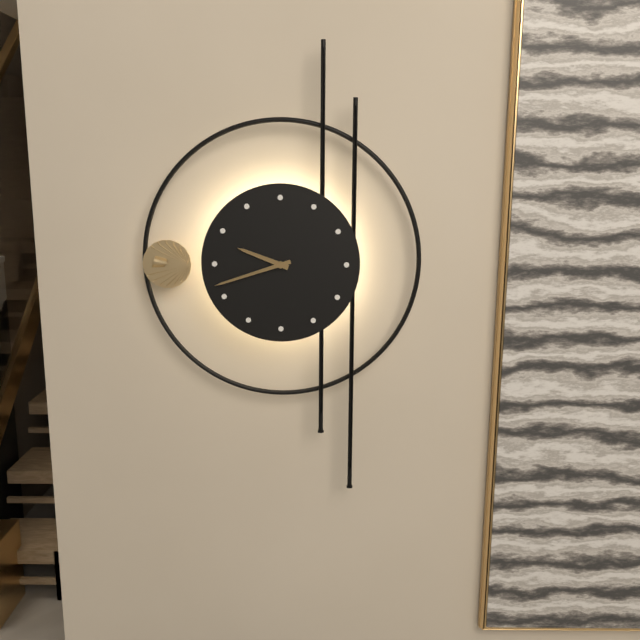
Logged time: **9:42**
